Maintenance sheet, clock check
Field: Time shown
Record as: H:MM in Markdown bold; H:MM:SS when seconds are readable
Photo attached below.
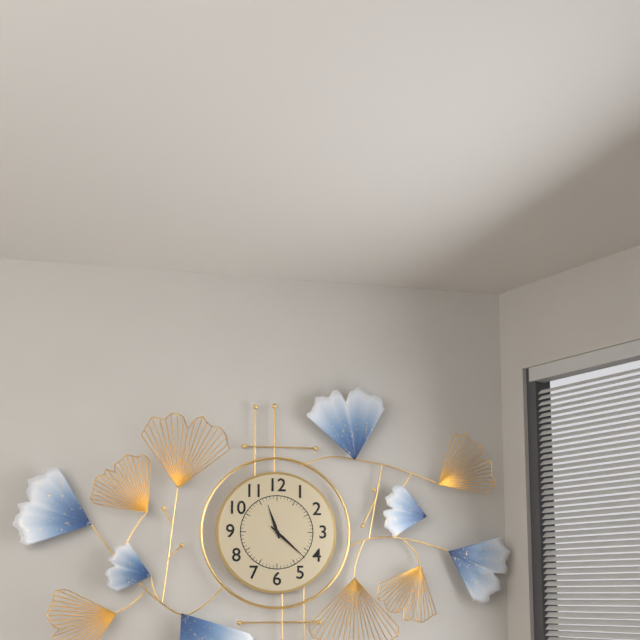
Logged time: **11:22**
